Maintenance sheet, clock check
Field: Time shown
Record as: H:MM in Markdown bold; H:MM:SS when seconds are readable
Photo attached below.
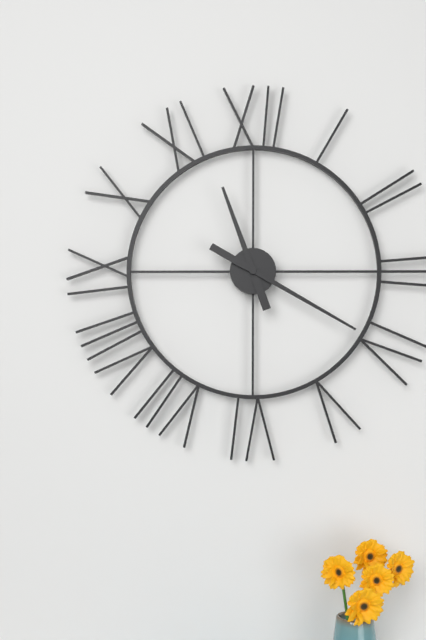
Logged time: **11:20**
